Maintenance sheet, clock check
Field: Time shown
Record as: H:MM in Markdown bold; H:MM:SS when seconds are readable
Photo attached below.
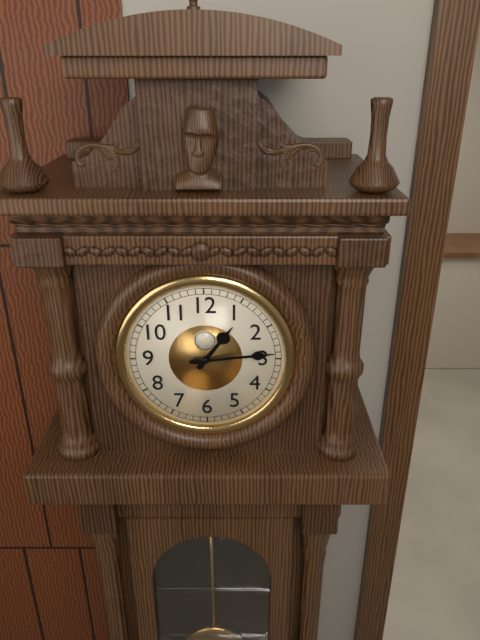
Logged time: **1:14**
